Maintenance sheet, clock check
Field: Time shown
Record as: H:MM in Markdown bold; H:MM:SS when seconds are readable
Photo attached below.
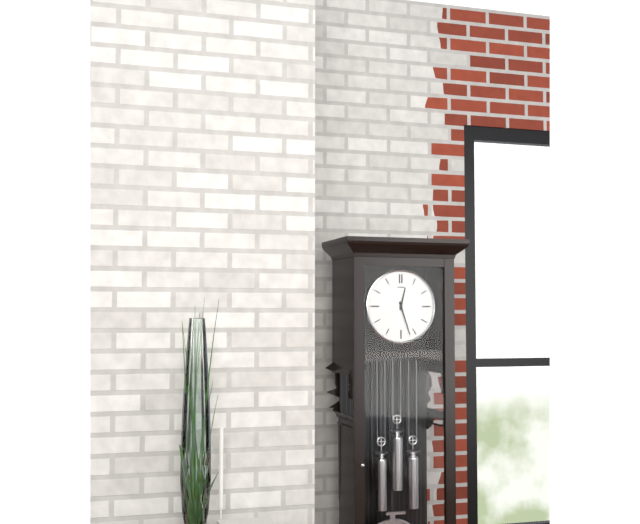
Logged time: **12:27**
